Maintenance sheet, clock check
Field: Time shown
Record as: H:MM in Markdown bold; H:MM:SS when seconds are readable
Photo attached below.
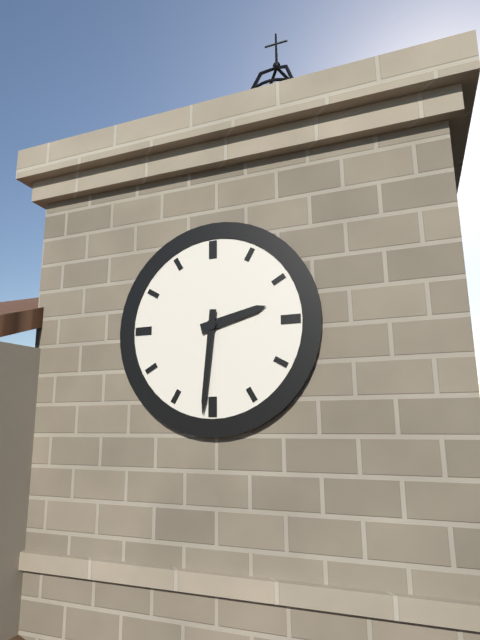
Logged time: **2:31**
